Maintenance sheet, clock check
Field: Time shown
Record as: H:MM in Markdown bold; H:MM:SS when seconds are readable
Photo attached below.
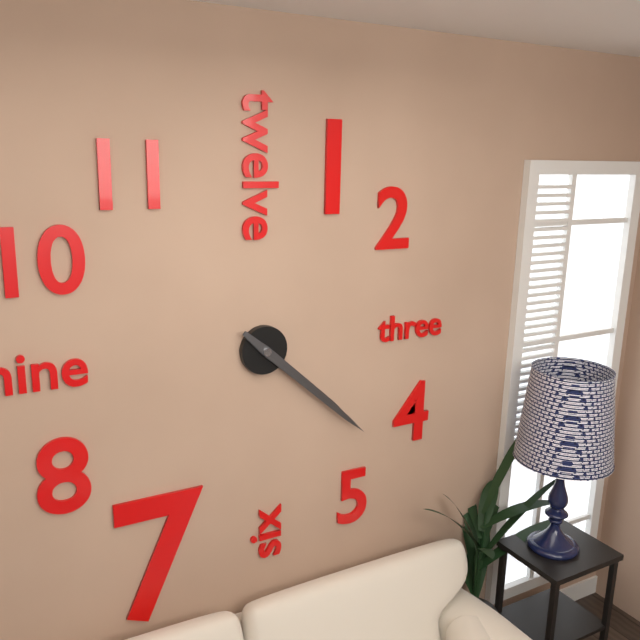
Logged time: **4:22**
